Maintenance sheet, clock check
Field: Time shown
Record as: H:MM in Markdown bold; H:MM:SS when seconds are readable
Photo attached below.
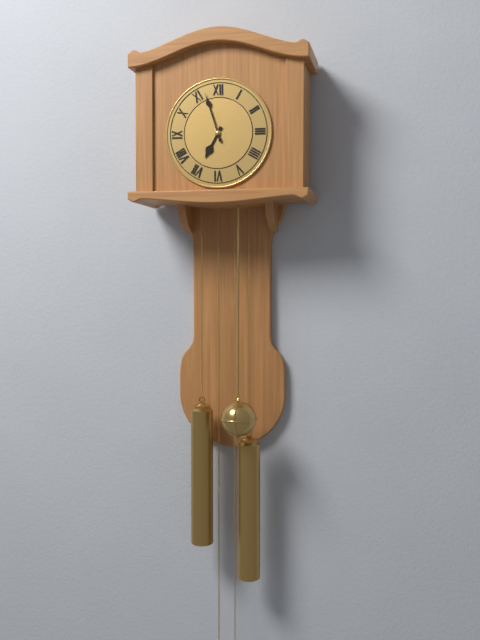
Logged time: **6:57**
